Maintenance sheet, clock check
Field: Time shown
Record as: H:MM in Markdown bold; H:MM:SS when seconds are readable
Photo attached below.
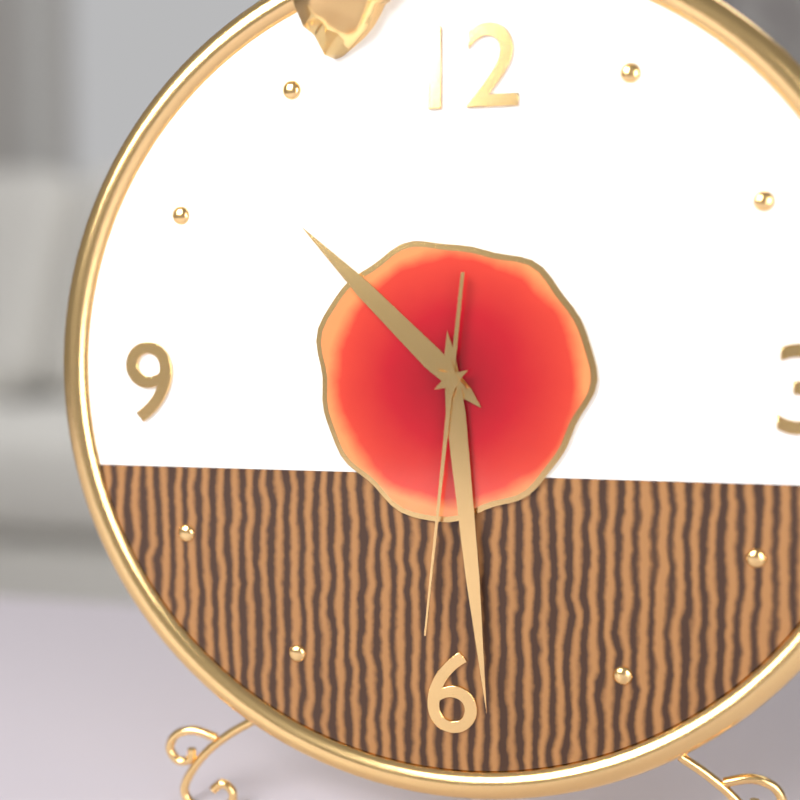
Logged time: **10:29:31**
